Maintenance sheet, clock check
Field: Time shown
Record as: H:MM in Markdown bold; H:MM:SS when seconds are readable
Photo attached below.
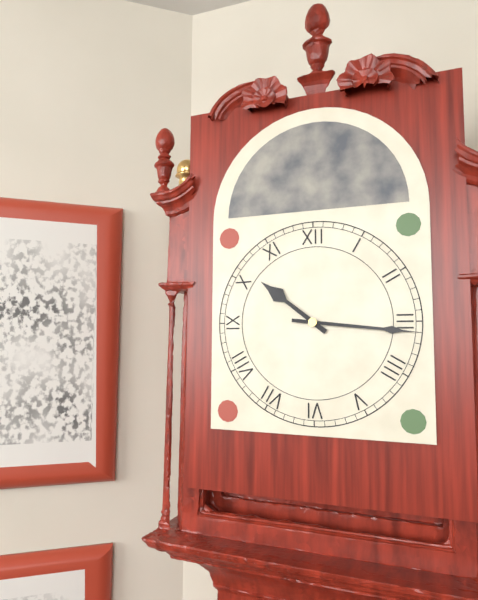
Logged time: **10:16**
